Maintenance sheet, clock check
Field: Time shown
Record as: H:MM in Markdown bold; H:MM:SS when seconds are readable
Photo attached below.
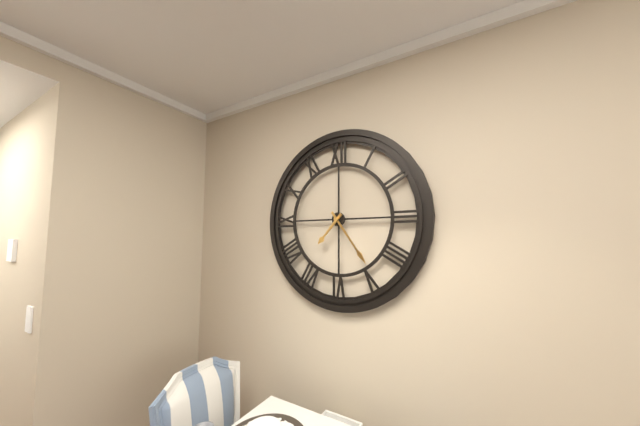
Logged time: **7:24**
